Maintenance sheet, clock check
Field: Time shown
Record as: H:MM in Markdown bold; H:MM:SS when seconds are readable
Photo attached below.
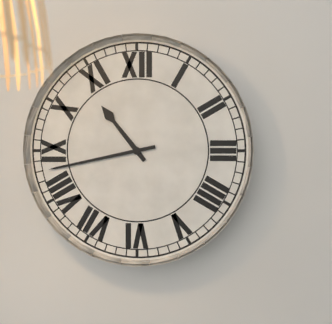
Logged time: **10:43**
